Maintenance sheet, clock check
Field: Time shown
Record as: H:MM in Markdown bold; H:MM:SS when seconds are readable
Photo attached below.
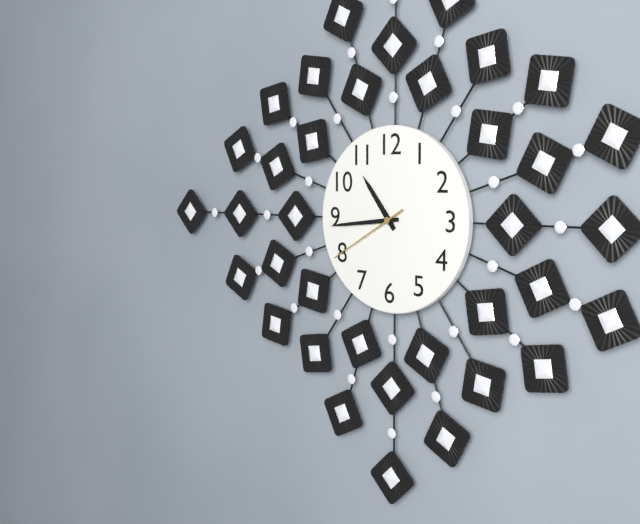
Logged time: **10:44:40**
